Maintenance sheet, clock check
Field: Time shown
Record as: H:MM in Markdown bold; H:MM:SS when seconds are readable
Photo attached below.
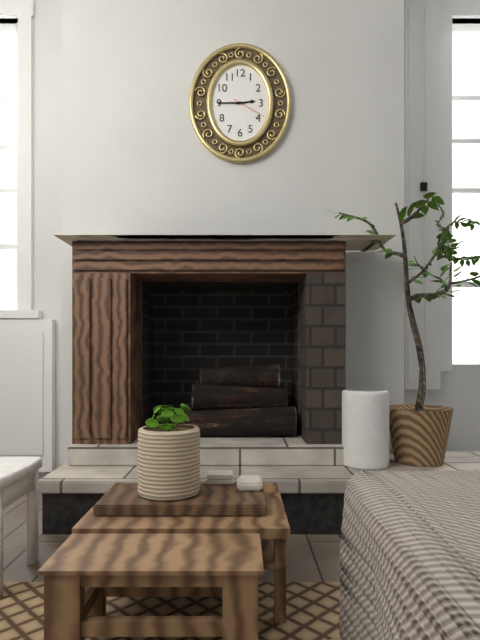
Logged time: **2:45**
